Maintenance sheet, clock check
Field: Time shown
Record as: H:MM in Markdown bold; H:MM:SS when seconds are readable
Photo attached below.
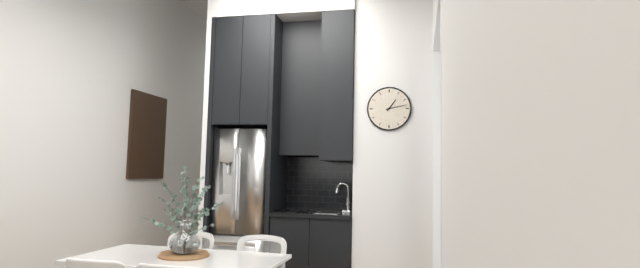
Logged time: **1:13**
